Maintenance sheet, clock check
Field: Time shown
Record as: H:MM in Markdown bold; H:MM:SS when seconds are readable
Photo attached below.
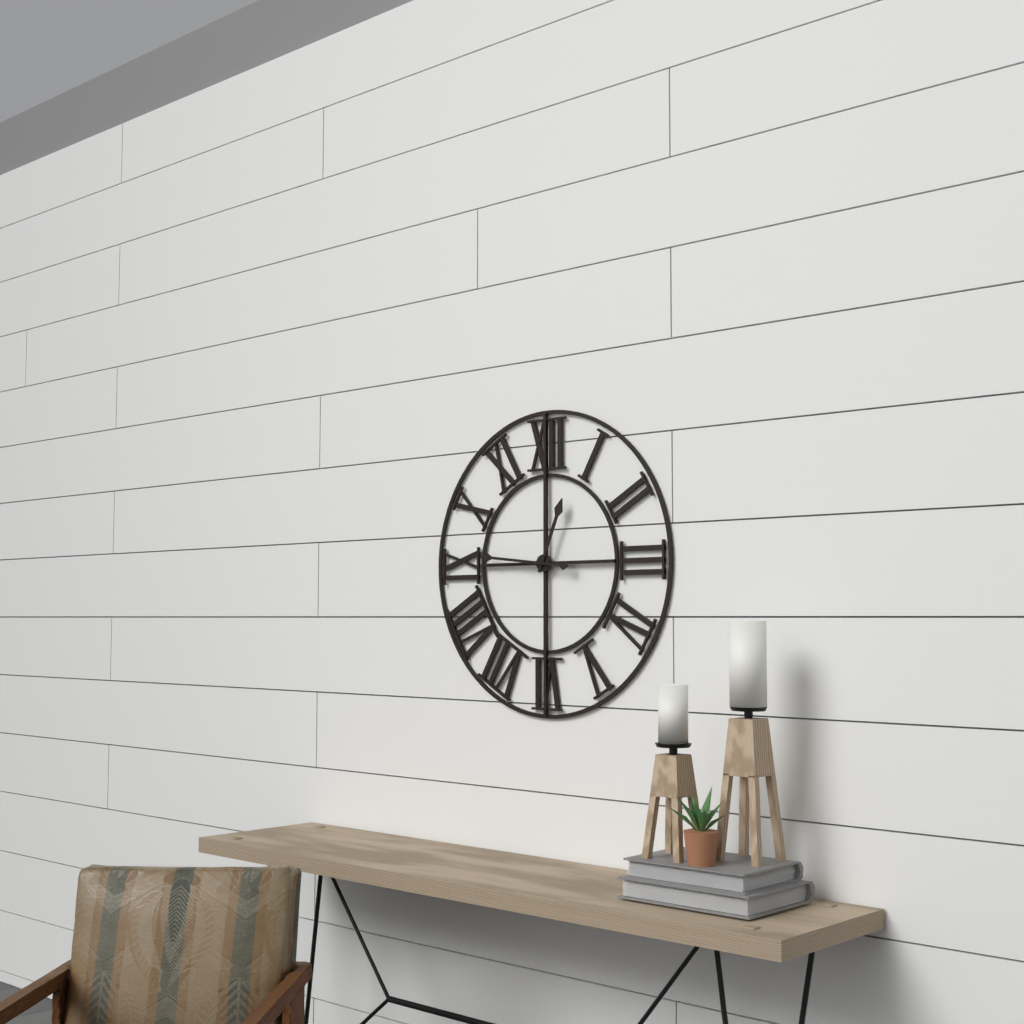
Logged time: **12:46**
